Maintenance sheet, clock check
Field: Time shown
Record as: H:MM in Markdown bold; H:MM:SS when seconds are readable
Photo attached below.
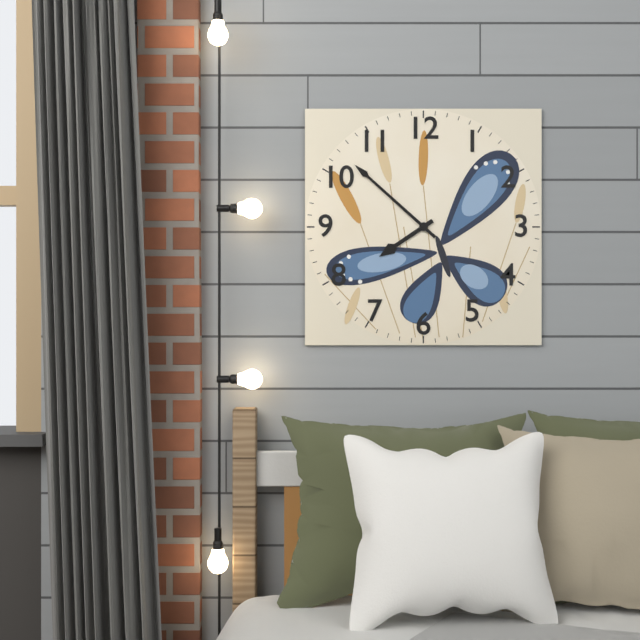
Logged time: **7:52**
